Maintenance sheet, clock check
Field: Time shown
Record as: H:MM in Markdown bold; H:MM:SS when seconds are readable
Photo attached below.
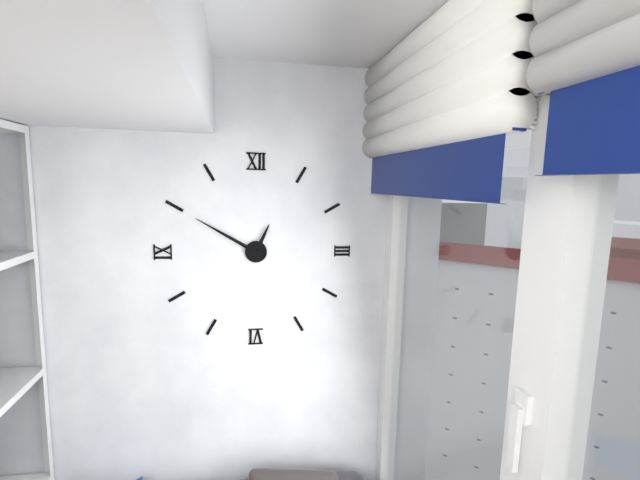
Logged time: **12:50**
